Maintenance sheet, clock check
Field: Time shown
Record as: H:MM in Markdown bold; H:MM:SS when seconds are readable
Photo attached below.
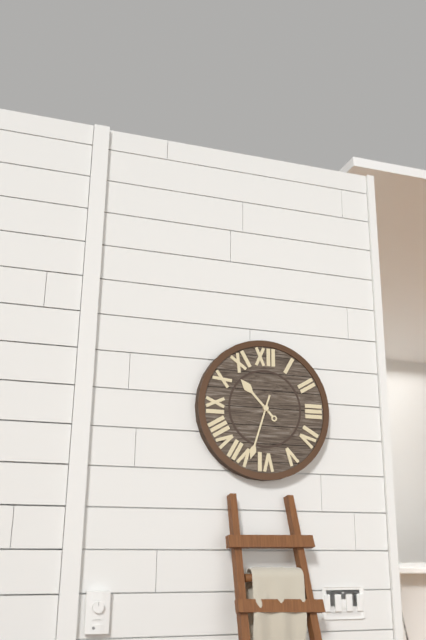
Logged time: **10:33**
